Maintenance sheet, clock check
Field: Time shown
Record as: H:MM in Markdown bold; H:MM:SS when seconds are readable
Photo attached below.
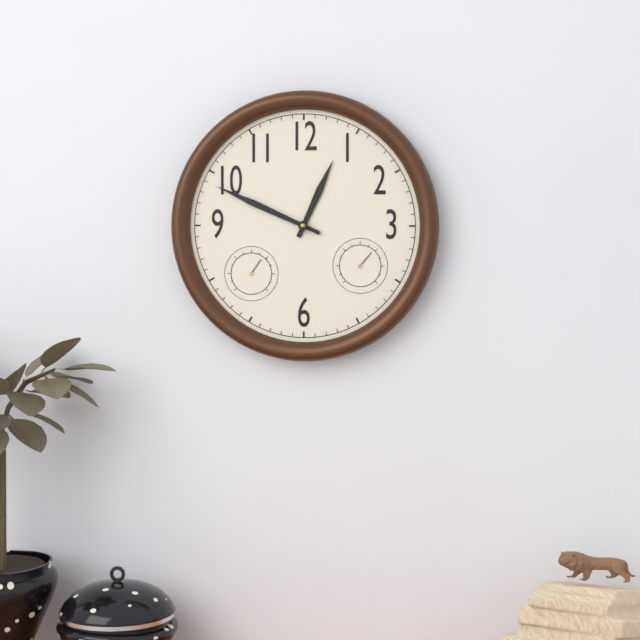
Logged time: **12:49**
